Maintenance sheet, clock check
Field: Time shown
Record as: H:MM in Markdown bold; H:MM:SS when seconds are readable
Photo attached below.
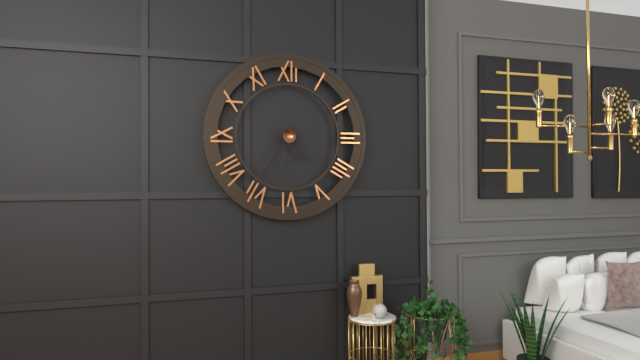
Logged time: **4:36:31**
